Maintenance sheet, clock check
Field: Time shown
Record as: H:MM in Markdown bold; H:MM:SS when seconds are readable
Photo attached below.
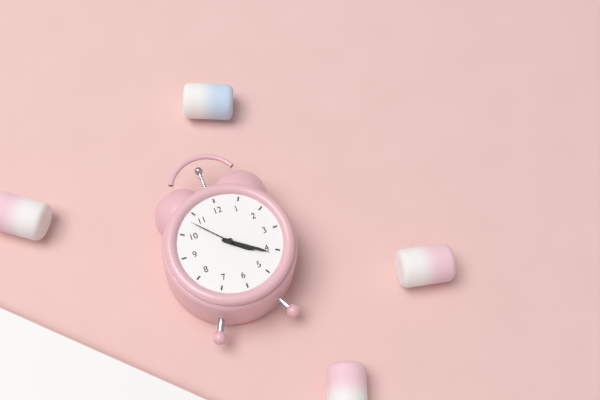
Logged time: **4:21:53**
